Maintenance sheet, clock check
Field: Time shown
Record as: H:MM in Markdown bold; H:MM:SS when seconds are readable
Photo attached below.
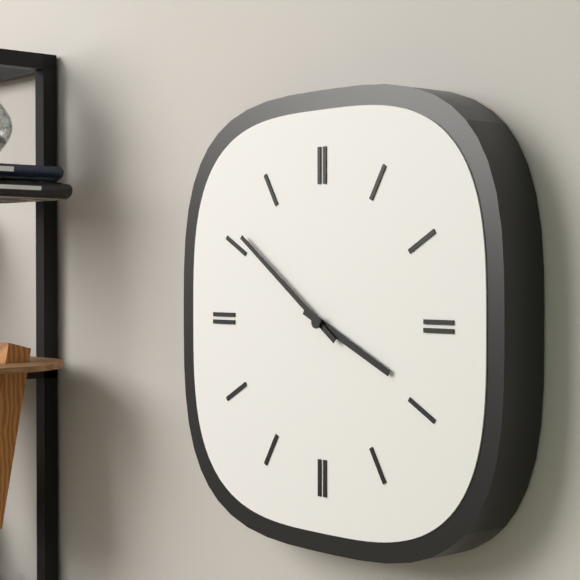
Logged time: **3:51**
